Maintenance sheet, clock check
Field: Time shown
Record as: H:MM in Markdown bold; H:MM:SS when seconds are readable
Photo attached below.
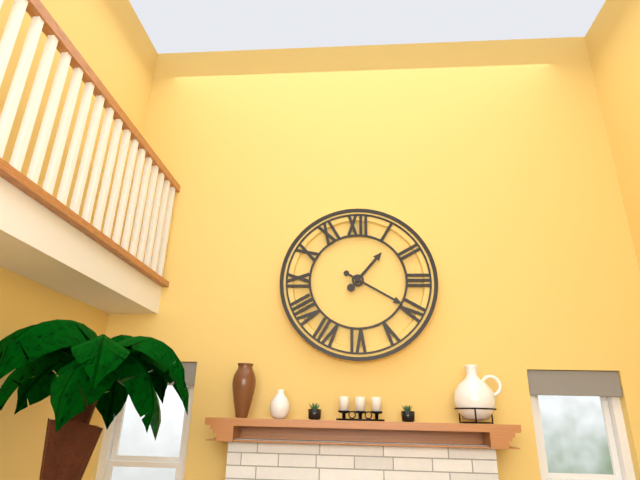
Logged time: **1:20**
